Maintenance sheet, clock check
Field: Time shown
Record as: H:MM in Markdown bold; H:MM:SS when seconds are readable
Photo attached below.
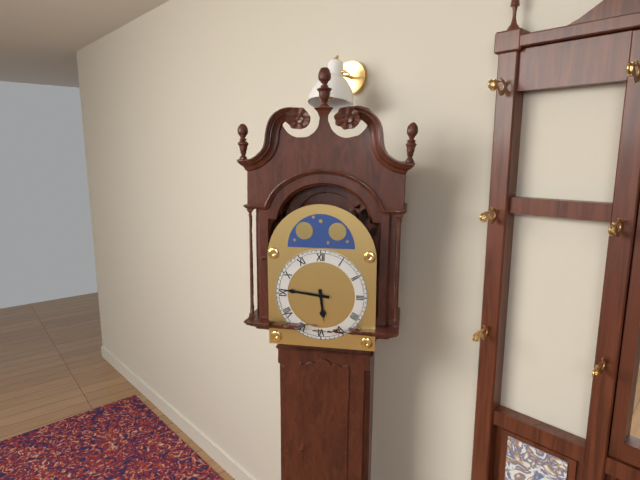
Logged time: **5:46**
